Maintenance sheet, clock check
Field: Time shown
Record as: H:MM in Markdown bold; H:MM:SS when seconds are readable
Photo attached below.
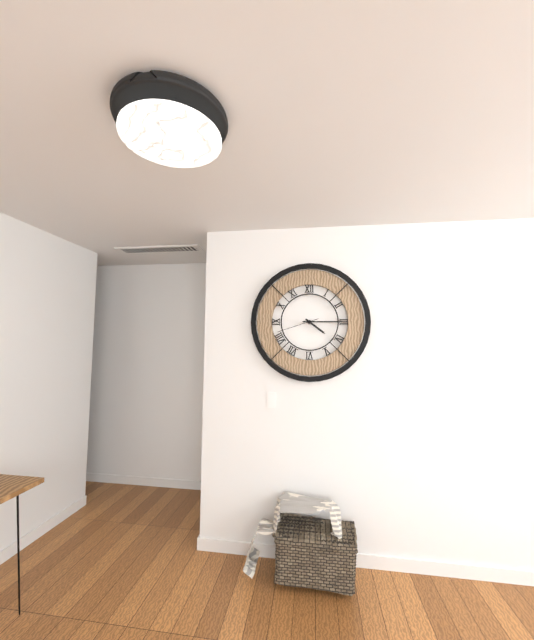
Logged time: **4:15**
